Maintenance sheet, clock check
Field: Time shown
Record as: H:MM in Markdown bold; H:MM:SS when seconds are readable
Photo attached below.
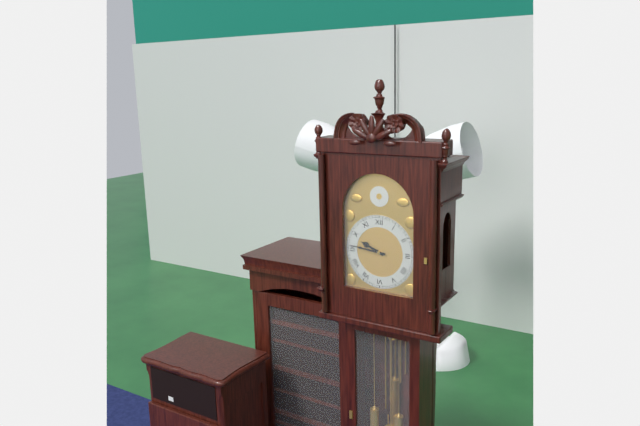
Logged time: **9:46**
